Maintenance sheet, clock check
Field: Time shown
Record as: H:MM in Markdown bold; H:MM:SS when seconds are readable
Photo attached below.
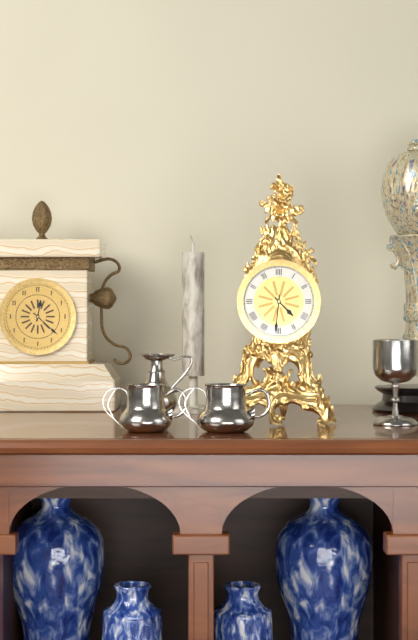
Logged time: **4:31**
